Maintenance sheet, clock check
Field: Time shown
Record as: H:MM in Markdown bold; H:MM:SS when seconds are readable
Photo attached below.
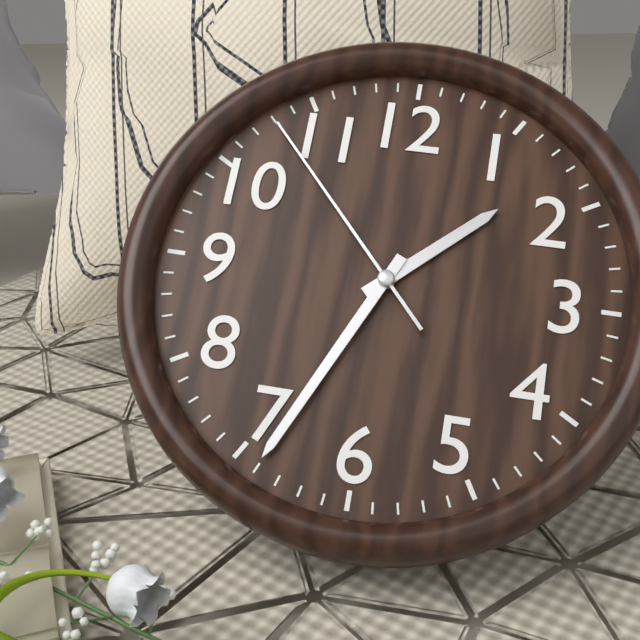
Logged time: **1:34:53**
